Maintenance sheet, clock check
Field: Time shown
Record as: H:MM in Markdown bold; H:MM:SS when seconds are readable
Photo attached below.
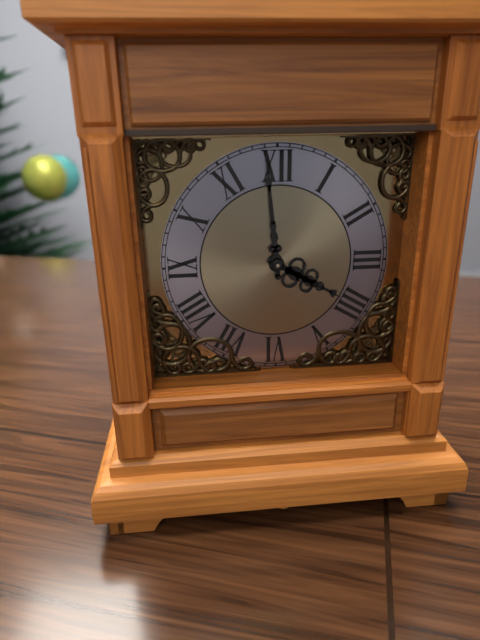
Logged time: **3:59**
